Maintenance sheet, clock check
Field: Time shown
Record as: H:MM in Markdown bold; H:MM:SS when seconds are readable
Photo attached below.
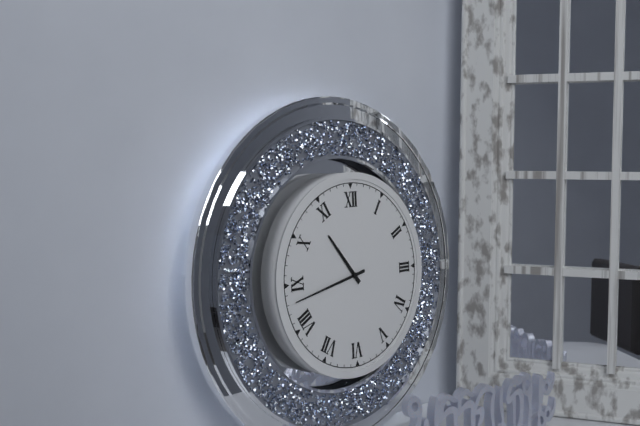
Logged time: **10:43**
